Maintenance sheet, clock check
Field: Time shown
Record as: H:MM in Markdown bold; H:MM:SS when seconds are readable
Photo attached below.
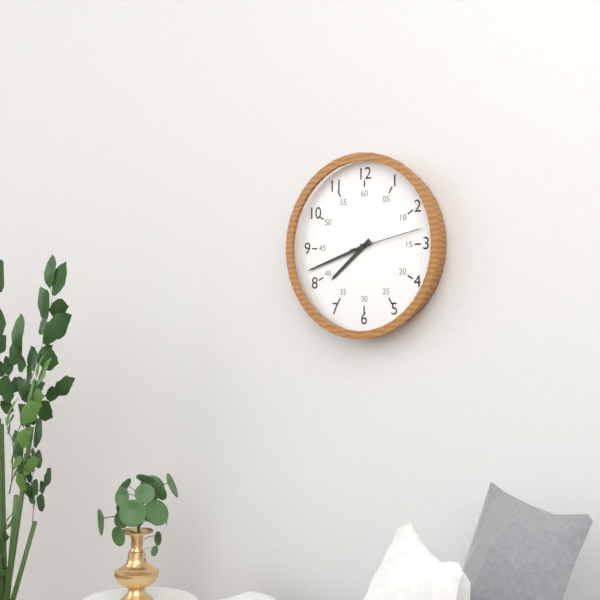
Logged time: **7:42:13**
